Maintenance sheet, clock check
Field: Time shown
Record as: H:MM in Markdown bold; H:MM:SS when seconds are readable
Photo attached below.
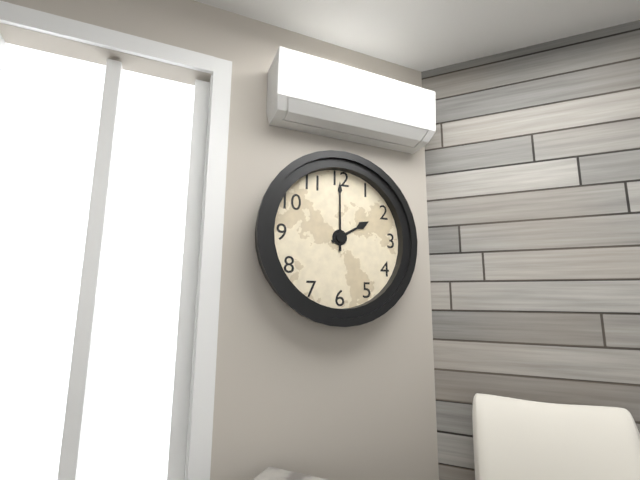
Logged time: **2:00**
